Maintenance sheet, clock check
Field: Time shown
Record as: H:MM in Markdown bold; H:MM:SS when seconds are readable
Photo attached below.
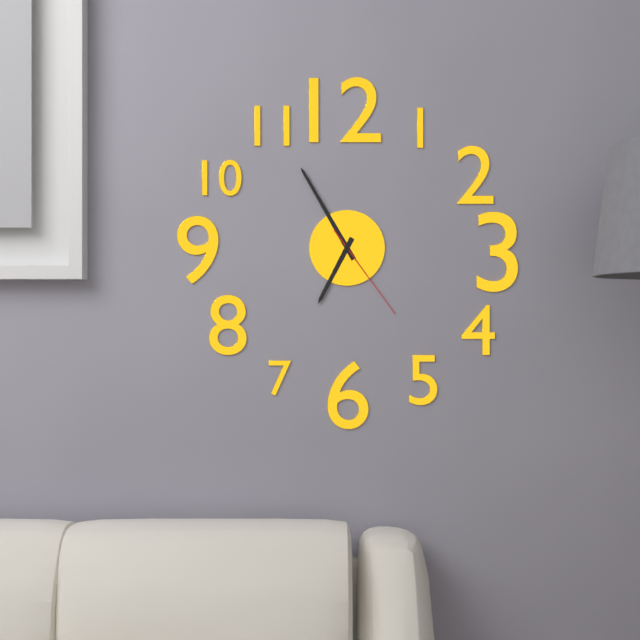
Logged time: **6:55:24**
